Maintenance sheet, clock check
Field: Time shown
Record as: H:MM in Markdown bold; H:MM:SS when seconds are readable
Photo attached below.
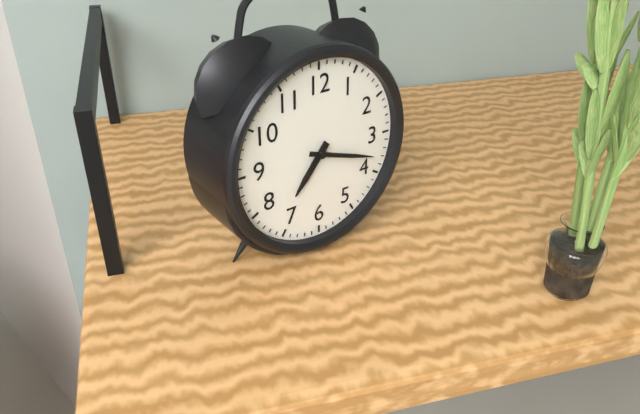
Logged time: **7:18**
